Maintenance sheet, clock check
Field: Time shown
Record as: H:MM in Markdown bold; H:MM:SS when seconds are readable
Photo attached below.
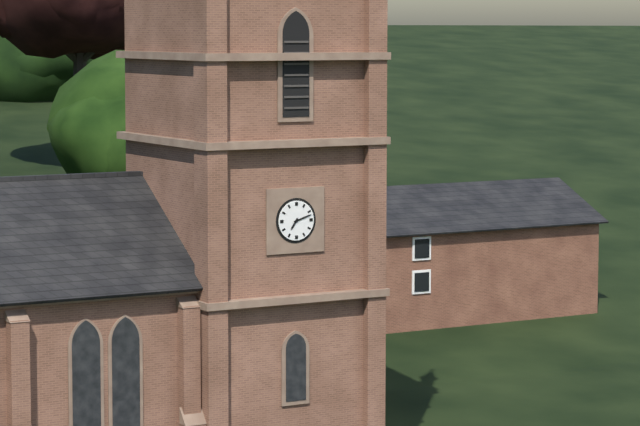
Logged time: **7:12**
